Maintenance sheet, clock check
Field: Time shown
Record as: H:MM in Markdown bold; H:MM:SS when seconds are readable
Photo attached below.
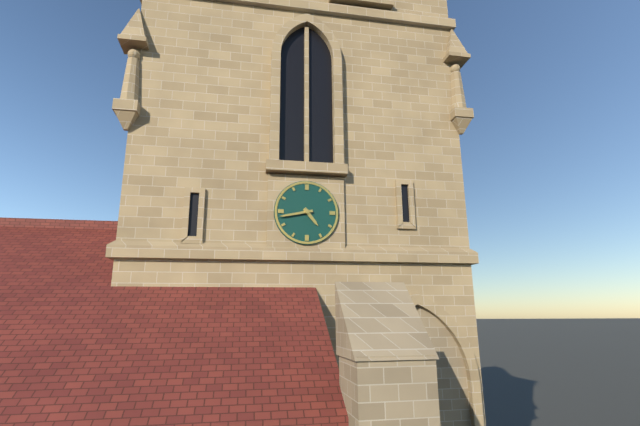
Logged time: **4:43**
